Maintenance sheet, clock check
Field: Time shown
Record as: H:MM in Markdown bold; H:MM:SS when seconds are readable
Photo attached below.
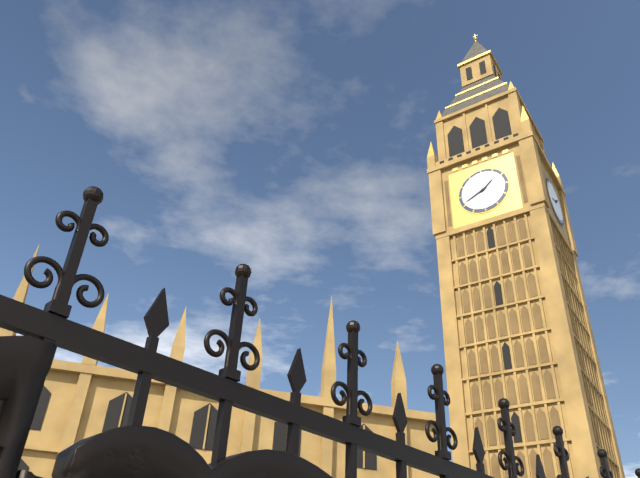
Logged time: **1:41**
